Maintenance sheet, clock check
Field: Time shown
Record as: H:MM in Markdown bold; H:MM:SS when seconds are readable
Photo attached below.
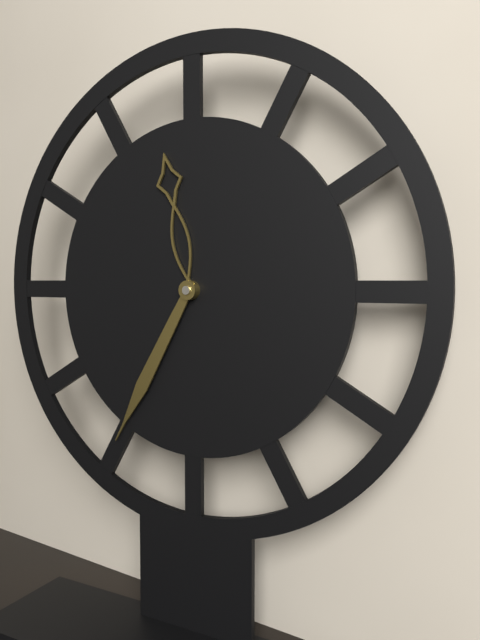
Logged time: **11:35**
